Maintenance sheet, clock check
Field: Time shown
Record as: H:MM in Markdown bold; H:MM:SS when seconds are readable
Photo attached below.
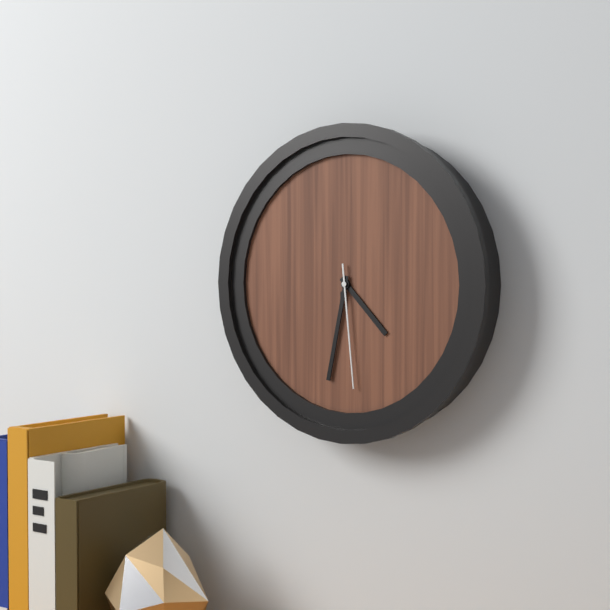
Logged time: **4:32:29**
